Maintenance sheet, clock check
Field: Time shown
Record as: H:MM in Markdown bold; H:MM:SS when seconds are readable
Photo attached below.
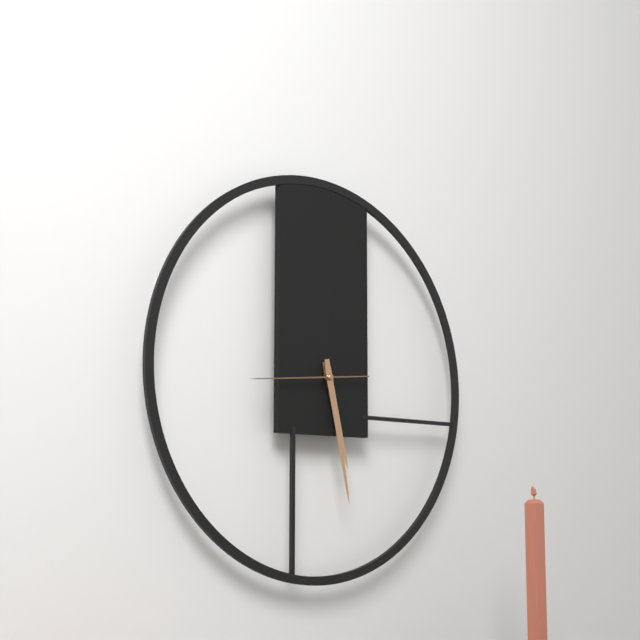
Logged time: **5:28:44**
